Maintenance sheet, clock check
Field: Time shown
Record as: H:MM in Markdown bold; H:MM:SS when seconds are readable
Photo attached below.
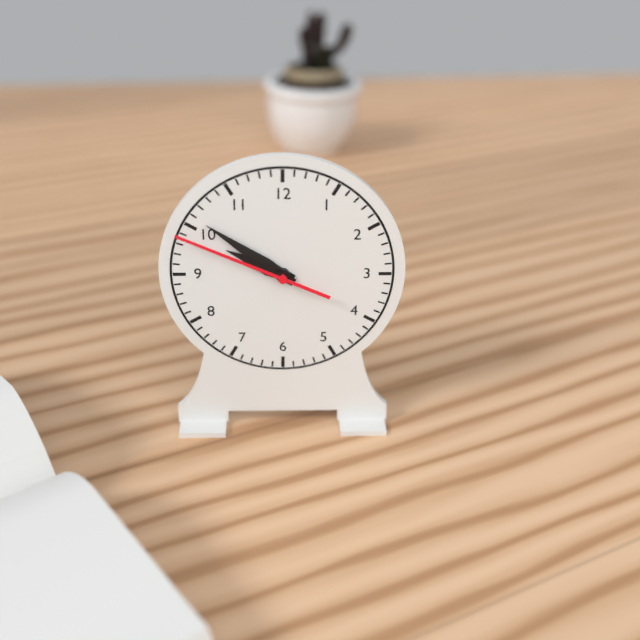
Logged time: **9:51:49**
